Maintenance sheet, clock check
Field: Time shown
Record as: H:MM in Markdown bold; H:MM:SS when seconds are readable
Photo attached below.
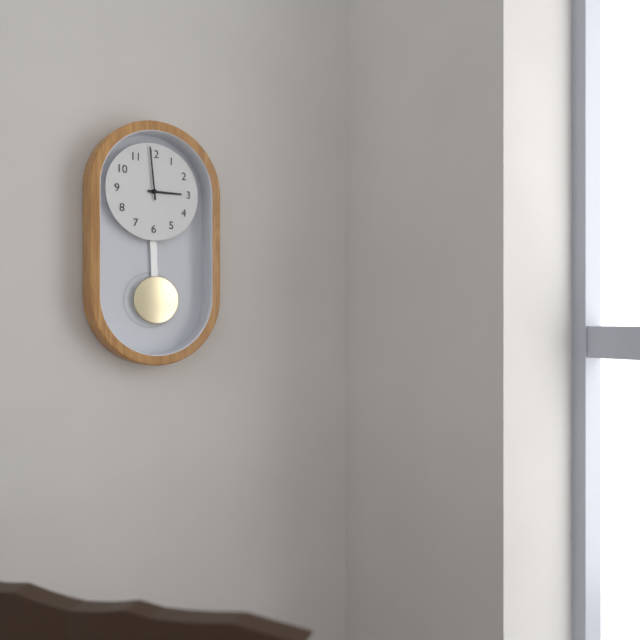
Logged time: **2:59**
